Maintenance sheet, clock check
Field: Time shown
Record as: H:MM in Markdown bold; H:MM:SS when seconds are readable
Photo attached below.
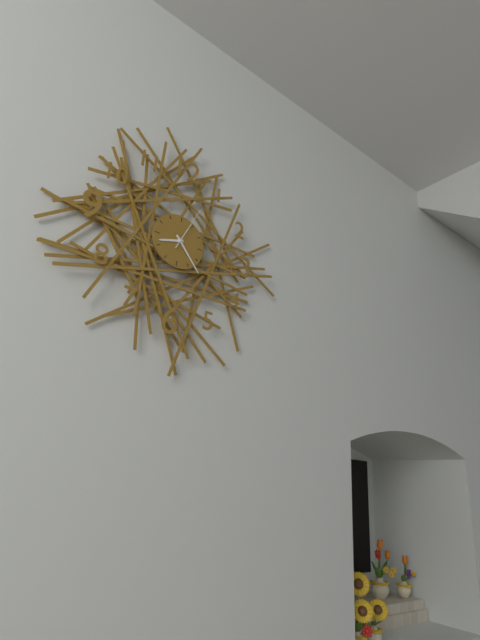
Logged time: **8:23:04**
